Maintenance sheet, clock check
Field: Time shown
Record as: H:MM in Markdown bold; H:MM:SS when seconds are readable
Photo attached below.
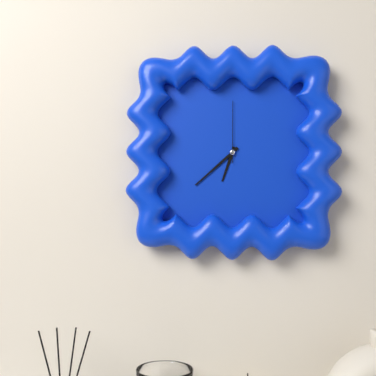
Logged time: **6:38:00**
